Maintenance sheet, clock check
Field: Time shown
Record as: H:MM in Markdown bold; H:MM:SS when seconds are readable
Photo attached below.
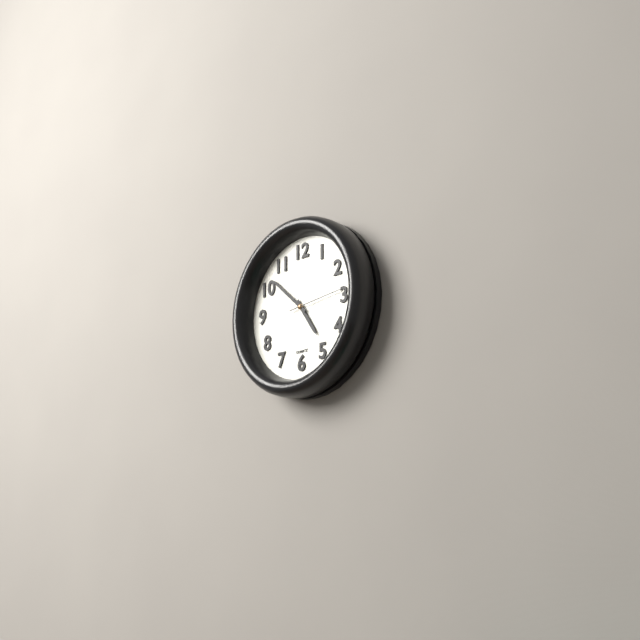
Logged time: **4:52:14**
